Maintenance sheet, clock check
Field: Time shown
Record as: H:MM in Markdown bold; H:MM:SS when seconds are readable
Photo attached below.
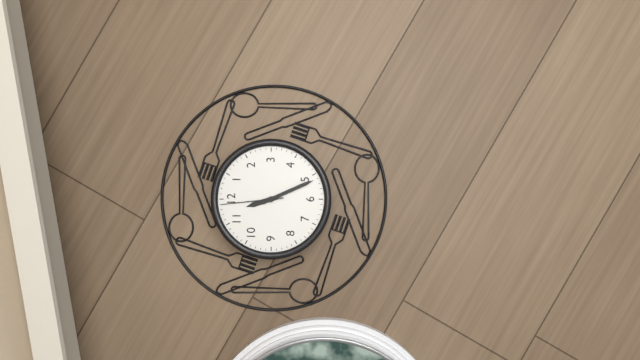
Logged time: **11:26:59**
